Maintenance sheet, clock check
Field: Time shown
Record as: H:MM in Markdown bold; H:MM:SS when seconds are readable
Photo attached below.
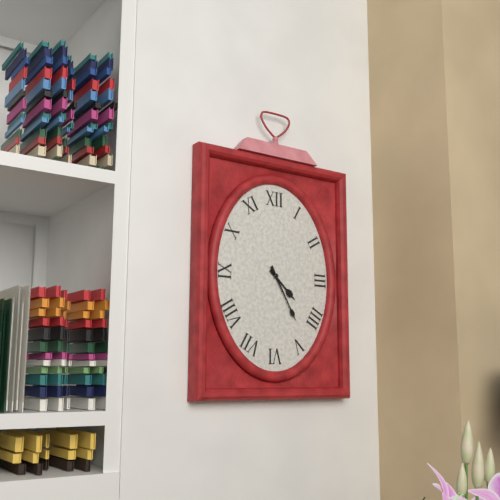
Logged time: **4:25**
